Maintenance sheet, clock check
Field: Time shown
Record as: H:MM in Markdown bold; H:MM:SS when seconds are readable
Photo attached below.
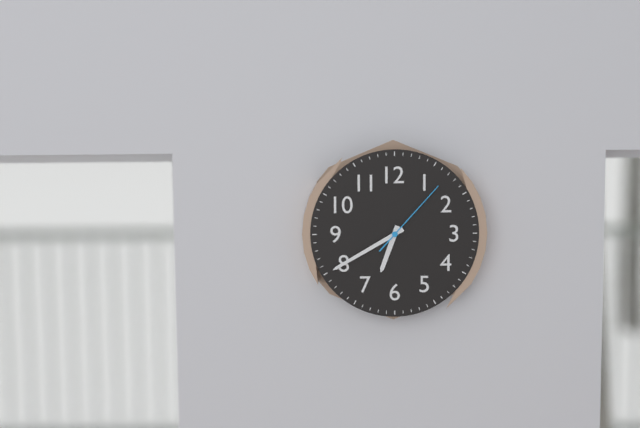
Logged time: **6:40:07**
